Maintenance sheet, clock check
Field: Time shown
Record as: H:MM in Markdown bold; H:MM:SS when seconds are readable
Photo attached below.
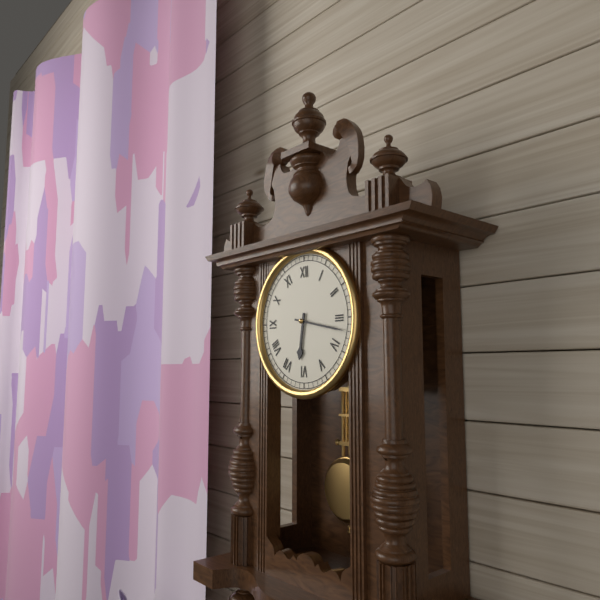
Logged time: **6:17**
